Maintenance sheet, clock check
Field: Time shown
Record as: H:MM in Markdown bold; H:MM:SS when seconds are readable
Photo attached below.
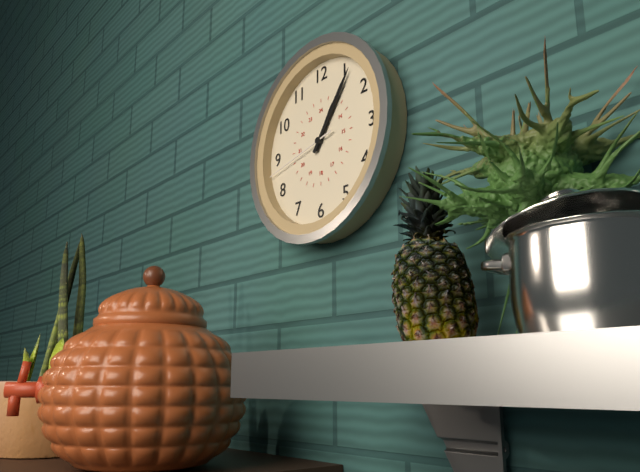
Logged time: **1:06:43**
